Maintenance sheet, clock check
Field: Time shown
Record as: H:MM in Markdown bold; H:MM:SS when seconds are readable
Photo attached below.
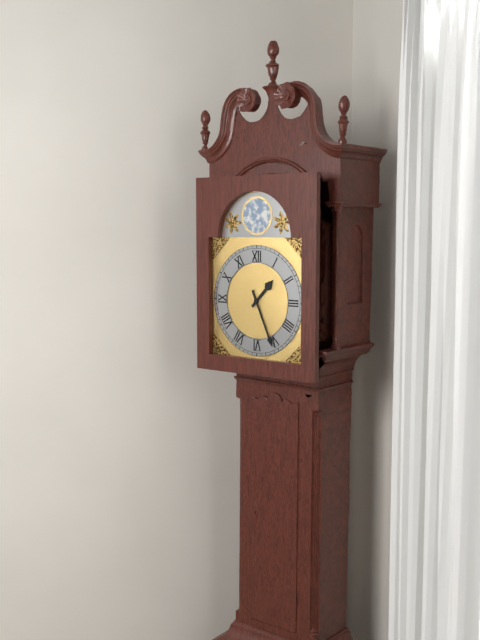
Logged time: **1:26**
